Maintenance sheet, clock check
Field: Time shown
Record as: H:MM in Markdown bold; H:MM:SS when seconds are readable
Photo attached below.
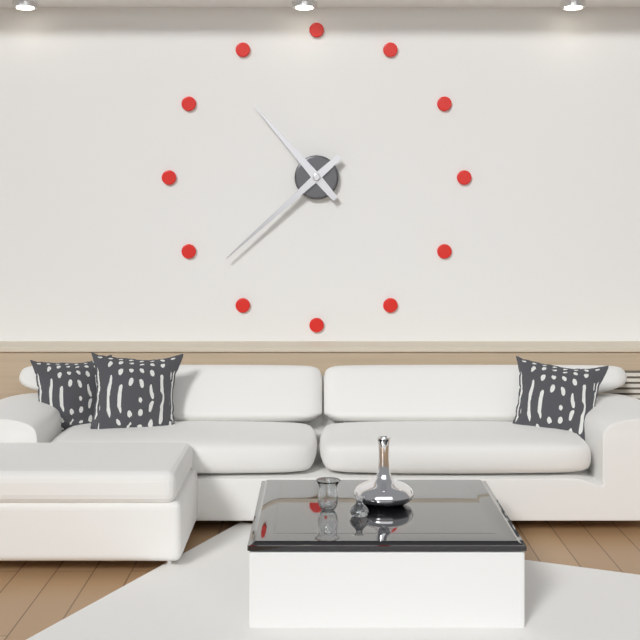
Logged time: **10:38**
